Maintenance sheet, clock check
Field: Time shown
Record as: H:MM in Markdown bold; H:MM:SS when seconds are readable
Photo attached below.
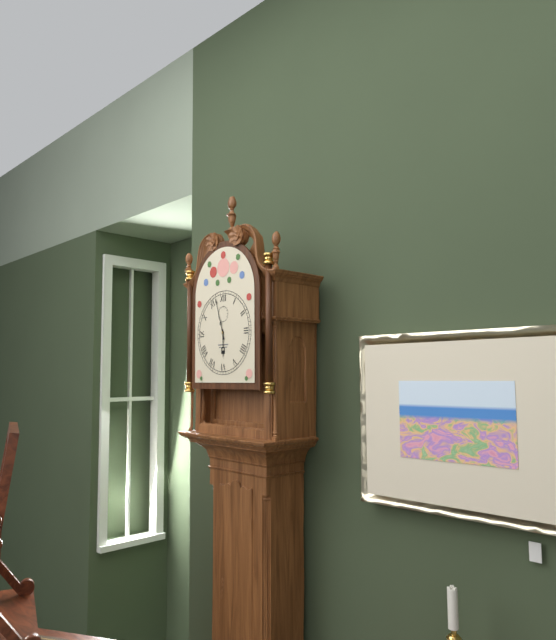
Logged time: **5:57**
